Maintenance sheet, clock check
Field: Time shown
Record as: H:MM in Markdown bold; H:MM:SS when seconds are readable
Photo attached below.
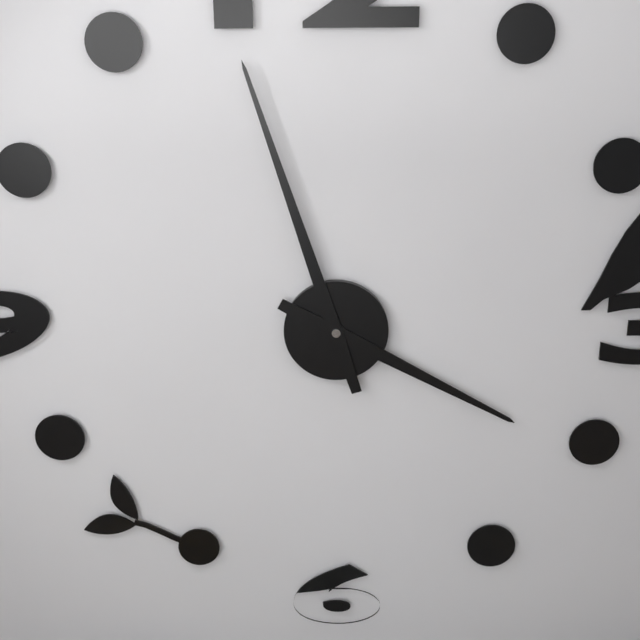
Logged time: **3:57**
